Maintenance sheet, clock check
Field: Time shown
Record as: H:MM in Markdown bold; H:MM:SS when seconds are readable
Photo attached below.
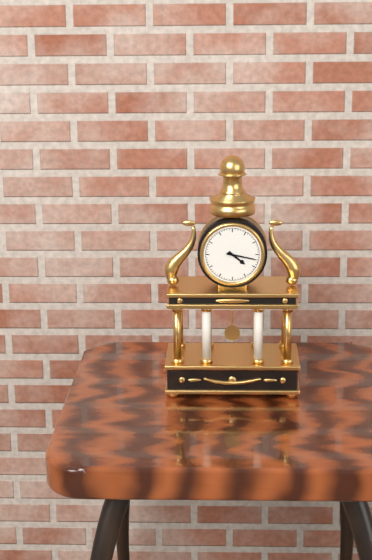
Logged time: **4:17**
